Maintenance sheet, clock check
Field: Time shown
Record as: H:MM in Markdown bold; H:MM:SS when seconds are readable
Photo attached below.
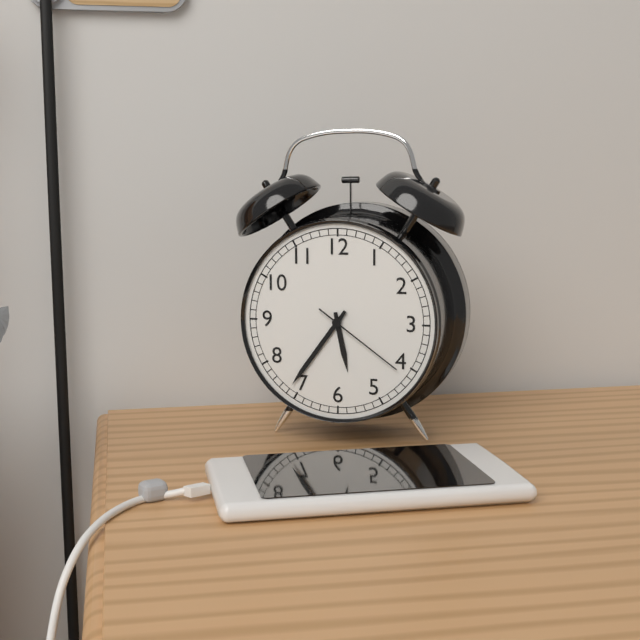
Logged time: **5:36:21**
